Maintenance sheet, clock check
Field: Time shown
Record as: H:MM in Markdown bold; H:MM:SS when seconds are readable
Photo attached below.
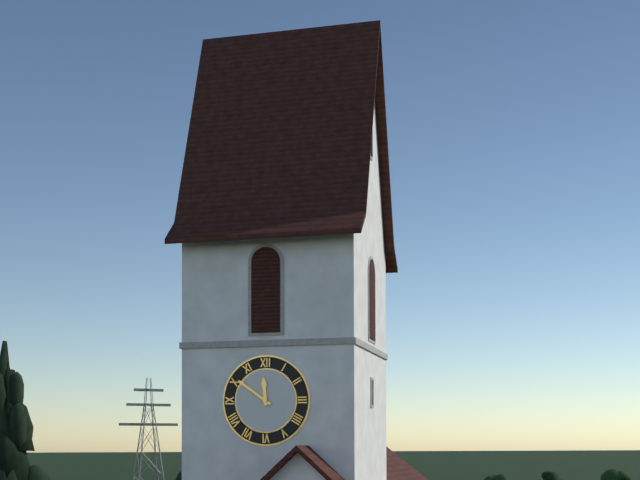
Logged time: **11:51**
